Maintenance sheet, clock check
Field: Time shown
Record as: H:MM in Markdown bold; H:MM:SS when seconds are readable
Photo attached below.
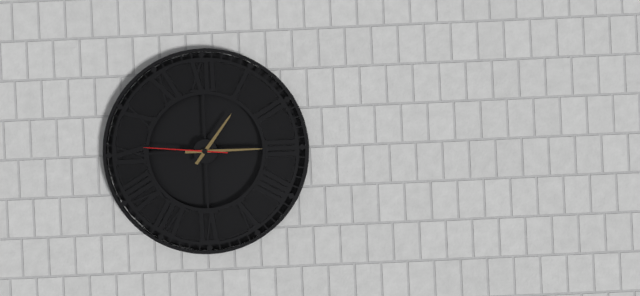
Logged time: **1:15:46**
